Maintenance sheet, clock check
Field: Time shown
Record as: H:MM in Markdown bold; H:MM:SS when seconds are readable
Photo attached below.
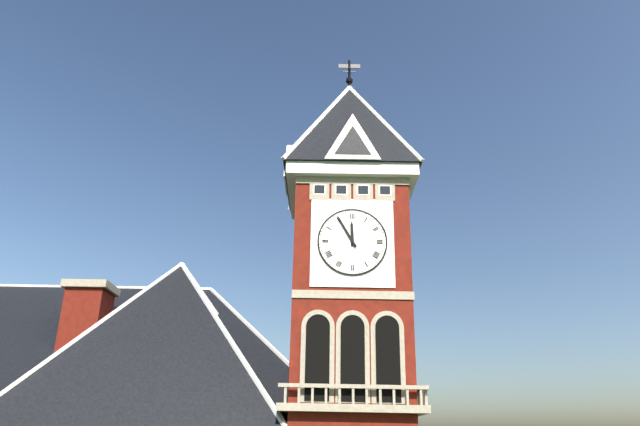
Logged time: **11:55**
